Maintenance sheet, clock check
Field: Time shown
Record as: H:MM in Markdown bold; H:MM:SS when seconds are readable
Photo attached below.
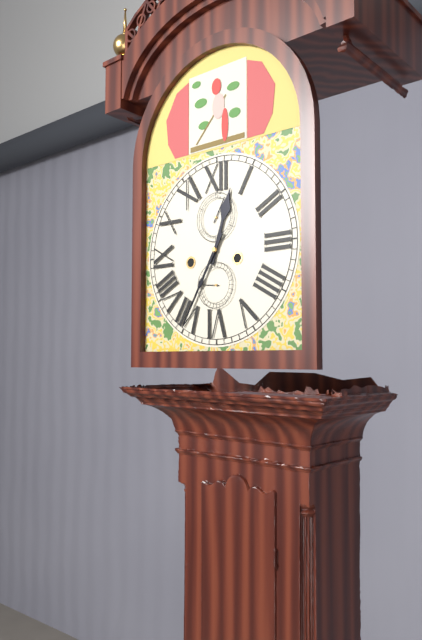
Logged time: **12:35**
